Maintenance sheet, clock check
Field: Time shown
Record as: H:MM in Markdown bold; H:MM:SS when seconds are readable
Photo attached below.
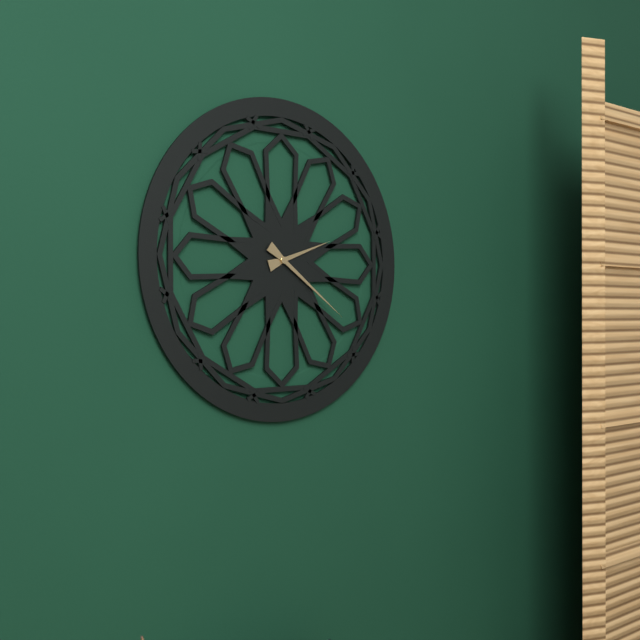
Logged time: **2:21**
